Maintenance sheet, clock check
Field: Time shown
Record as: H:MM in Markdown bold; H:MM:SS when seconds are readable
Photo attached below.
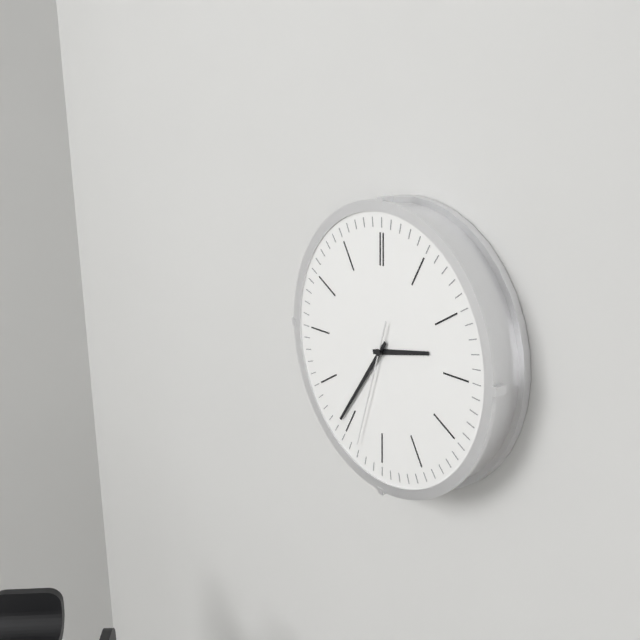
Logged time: **2:36:33**
